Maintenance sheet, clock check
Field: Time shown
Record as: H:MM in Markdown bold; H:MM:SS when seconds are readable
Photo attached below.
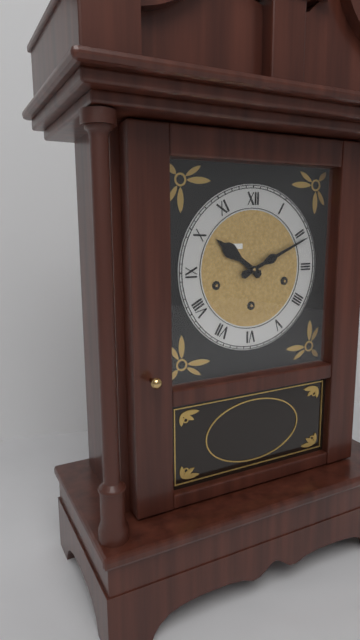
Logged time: **10:11**
